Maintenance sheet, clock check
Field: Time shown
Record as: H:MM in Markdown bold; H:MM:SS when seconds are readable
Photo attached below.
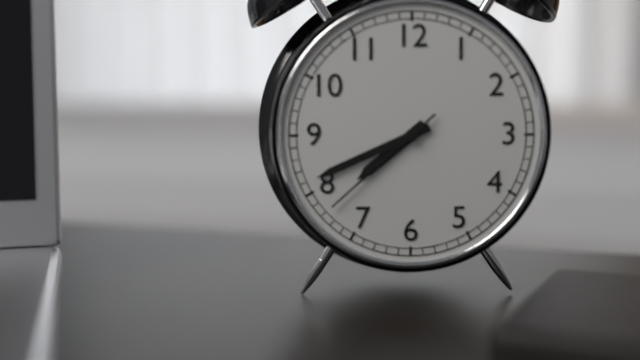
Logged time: **7:41:38**
